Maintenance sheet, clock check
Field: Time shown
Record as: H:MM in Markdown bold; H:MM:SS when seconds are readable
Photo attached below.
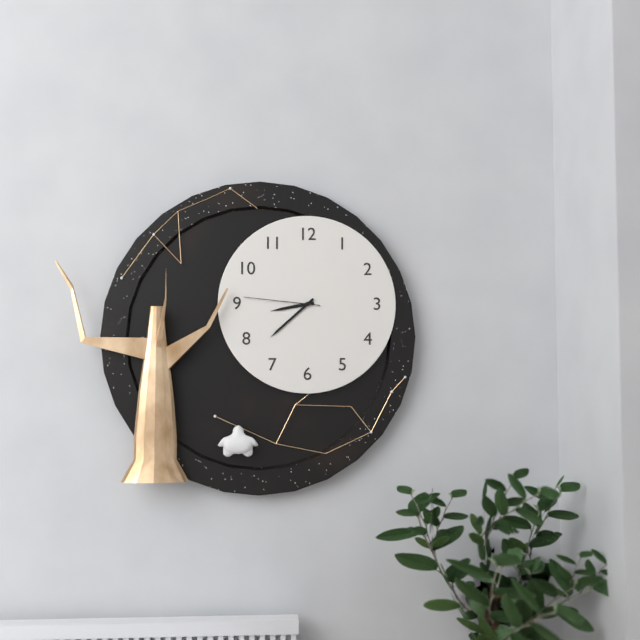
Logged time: **8:38:46**
